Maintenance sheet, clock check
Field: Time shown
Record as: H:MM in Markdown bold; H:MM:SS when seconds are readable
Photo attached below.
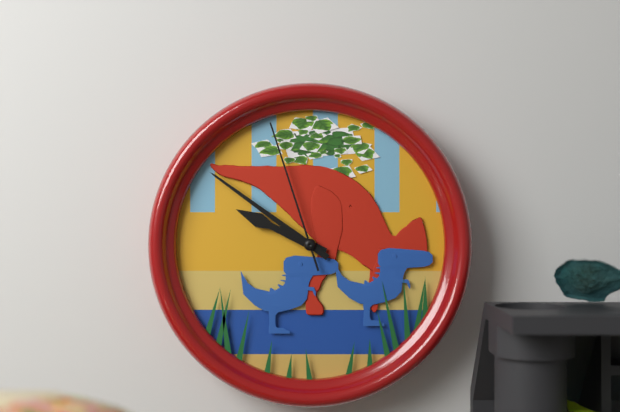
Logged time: **9:51:57**
